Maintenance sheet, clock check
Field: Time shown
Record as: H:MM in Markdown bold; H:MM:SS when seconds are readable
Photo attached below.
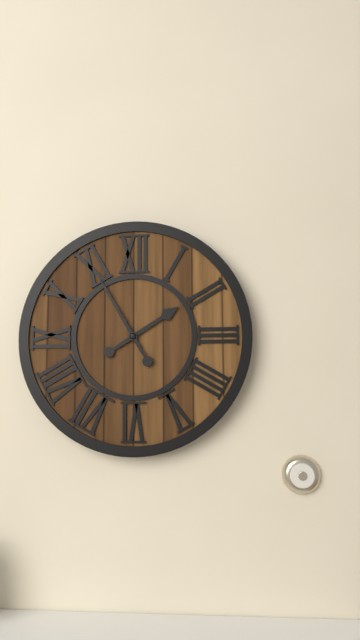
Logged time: **1:55**
